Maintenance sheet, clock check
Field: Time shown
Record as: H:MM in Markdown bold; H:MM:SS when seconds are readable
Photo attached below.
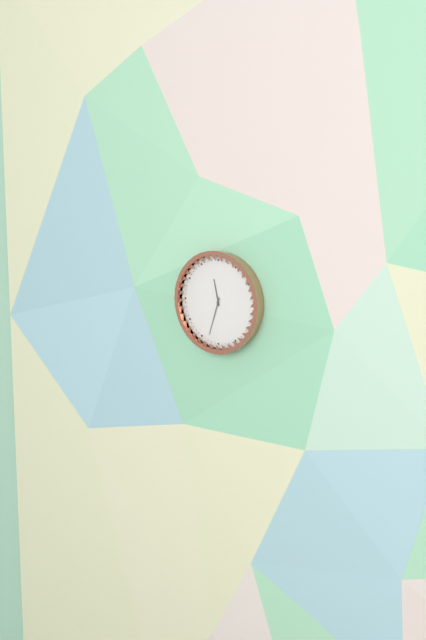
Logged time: **11:33**
